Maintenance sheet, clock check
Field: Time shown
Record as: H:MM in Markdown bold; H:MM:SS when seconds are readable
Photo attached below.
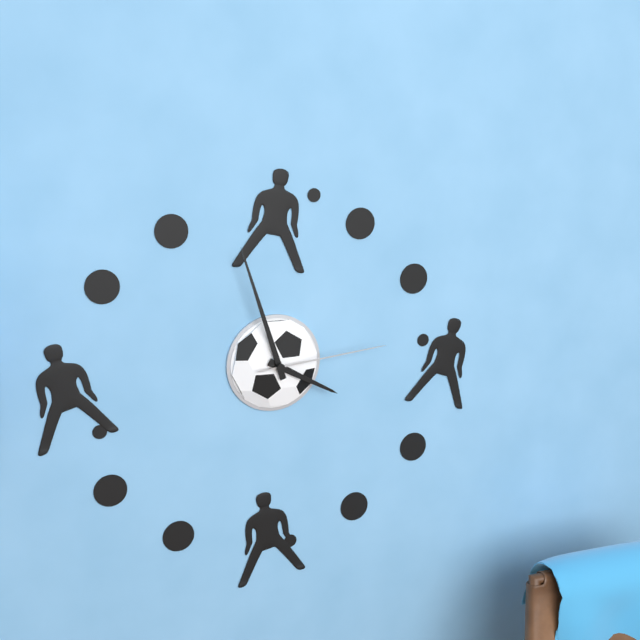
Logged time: **3:57:14**
